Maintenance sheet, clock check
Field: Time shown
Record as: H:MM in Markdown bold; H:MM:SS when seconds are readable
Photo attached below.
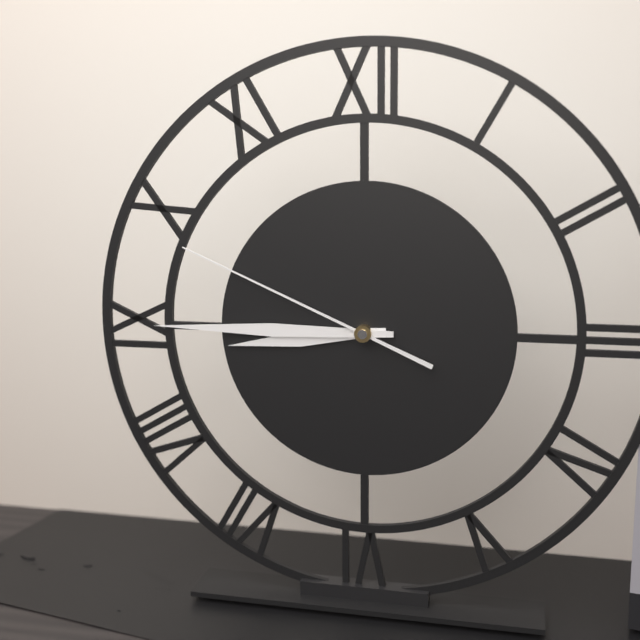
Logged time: **8:45:49**
